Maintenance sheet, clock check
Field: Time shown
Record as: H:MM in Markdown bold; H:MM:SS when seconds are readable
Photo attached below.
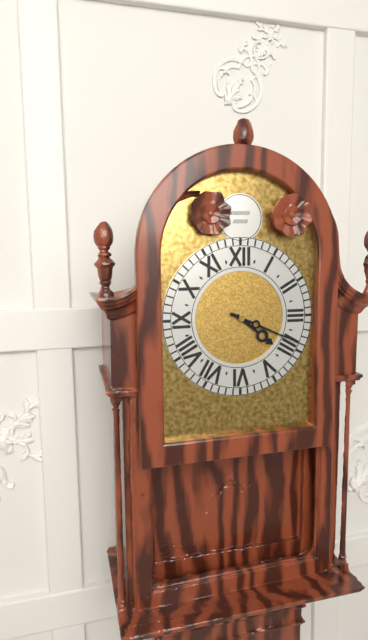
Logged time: **4:19**
